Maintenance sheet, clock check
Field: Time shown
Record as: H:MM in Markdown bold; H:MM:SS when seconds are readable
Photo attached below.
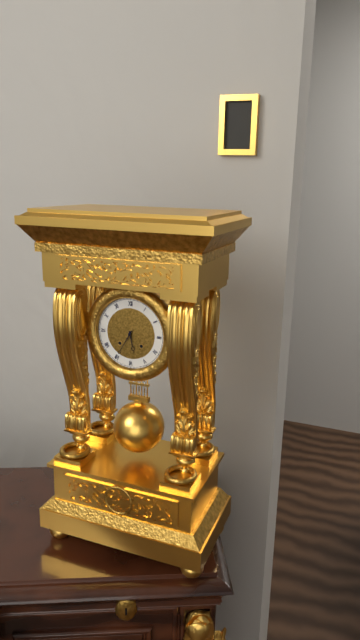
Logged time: **5:35**
